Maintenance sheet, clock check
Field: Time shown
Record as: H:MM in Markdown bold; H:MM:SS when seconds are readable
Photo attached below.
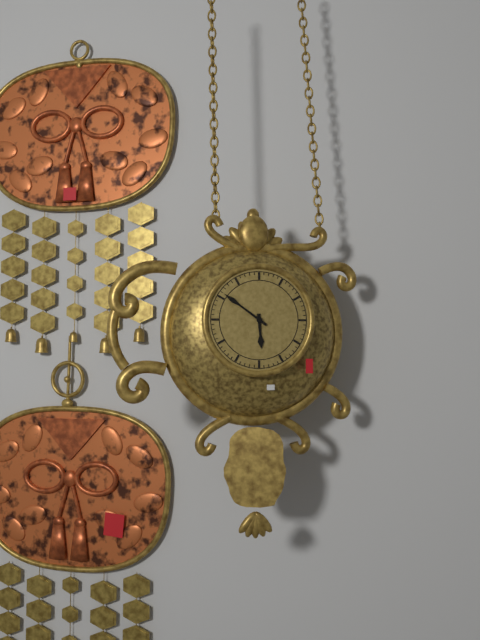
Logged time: **5:51**
